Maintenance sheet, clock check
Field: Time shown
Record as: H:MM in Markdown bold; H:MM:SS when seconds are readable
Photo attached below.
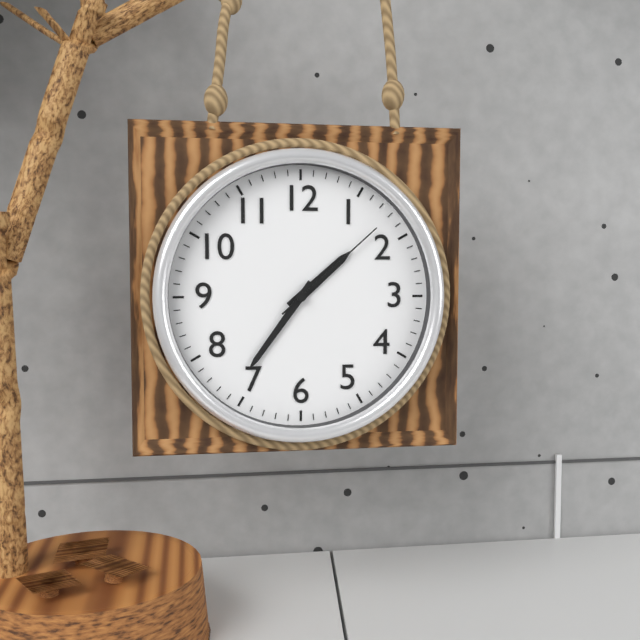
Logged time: **1:36:08**
